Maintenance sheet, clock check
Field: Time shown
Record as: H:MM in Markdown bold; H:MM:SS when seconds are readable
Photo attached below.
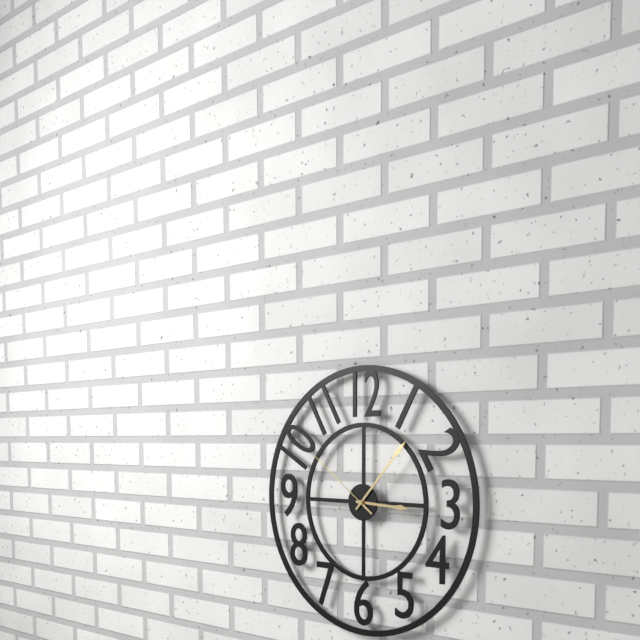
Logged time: **3:07:51**
